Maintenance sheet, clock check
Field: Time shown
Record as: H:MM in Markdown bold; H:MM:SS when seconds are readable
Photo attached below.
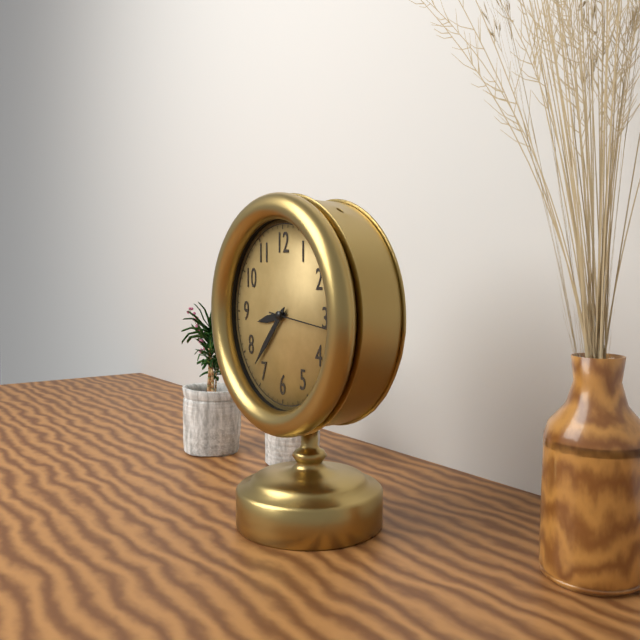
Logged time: **8:37:16**
